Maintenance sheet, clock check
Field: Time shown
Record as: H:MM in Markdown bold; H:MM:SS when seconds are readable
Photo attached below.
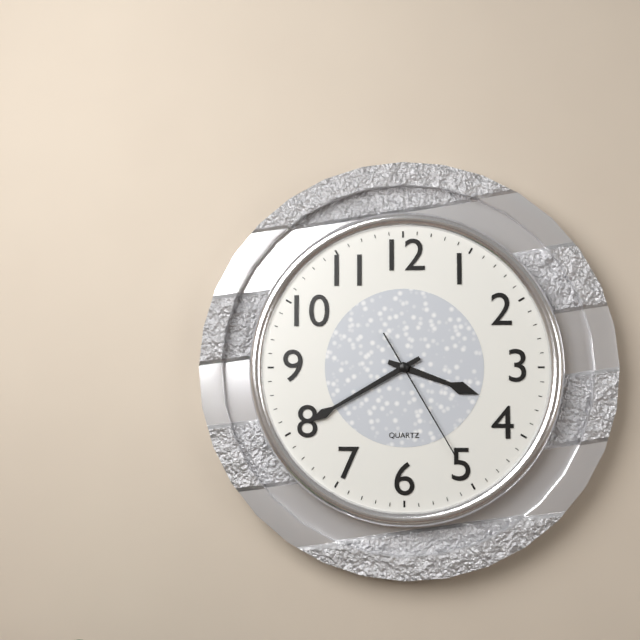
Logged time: **3:40:25**
